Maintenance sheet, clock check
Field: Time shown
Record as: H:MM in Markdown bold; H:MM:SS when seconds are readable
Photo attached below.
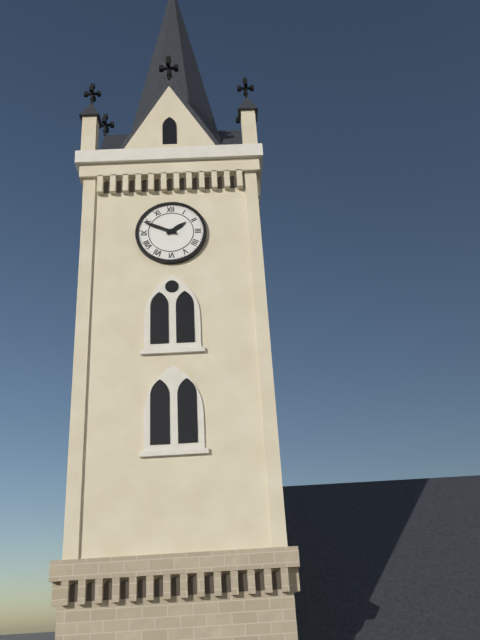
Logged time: **1:49**
